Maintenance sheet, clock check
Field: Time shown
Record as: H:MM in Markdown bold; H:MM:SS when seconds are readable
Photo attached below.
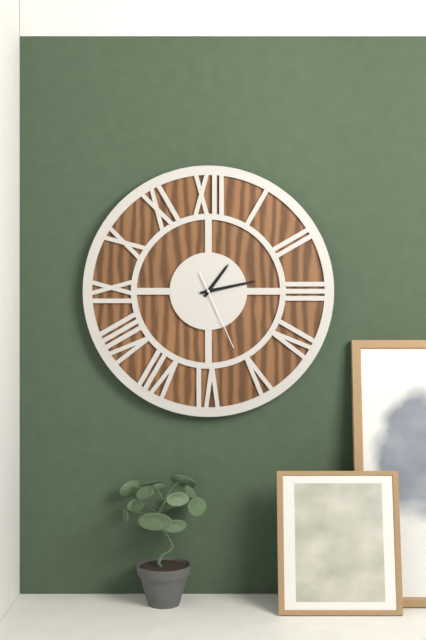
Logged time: **1:13:26**
